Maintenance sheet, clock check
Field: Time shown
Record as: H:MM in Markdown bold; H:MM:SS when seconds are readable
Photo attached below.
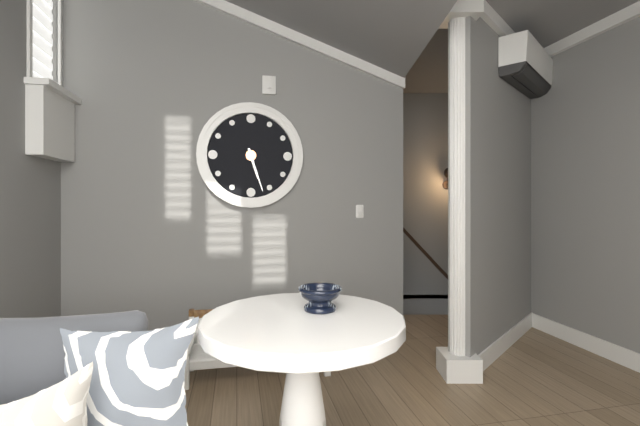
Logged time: **5:27**
